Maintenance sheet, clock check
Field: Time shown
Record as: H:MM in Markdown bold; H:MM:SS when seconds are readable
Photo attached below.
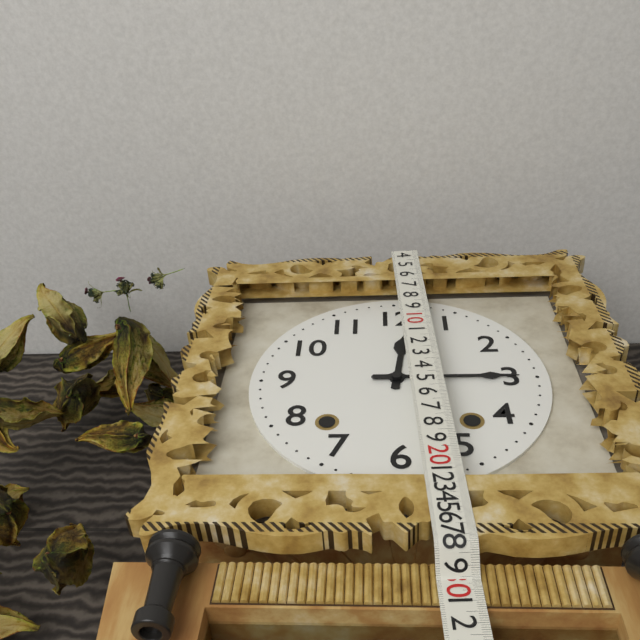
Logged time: **12:15**
